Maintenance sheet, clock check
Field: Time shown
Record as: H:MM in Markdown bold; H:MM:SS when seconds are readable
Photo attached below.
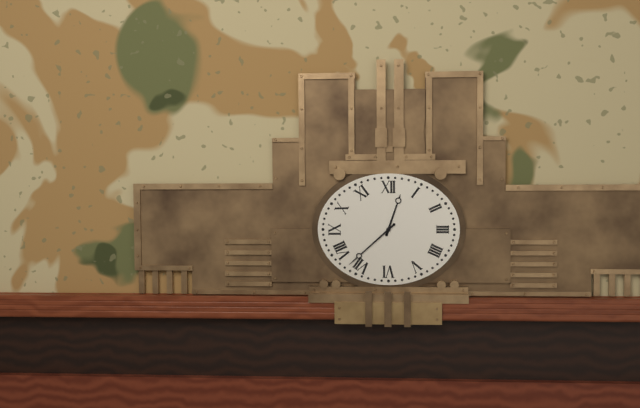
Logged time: **12:38**
